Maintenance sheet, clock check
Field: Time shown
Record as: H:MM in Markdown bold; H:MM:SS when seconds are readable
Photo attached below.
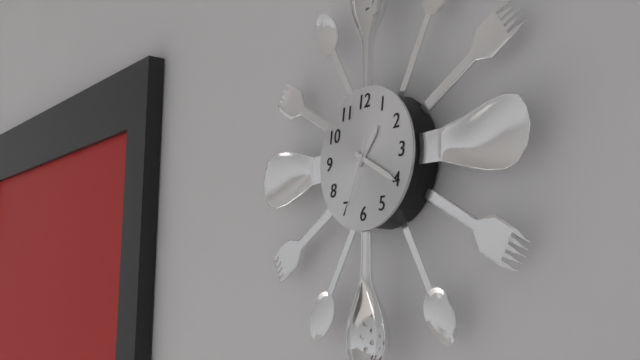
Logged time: **1:20:34**
